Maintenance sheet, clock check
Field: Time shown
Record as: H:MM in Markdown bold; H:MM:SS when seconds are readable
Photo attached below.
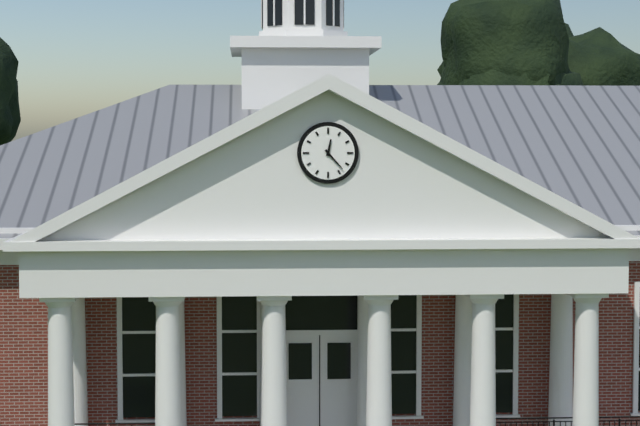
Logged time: **12:23**
